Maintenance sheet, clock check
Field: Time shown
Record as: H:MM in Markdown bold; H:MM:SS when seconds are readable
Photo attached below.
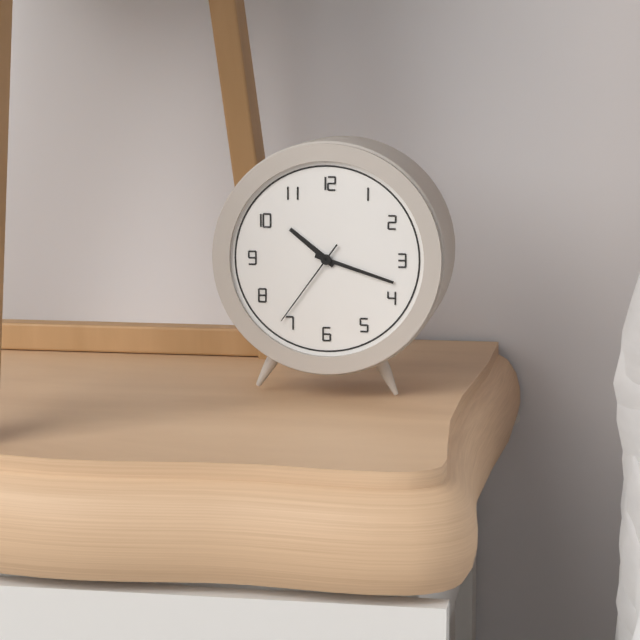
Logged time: **10:18:36**
